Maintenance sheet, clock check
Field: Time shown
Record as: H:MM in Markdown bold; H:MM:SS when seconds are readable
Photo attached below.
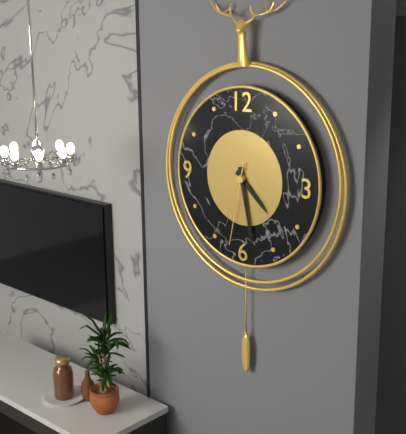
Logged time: **4:28:32**
